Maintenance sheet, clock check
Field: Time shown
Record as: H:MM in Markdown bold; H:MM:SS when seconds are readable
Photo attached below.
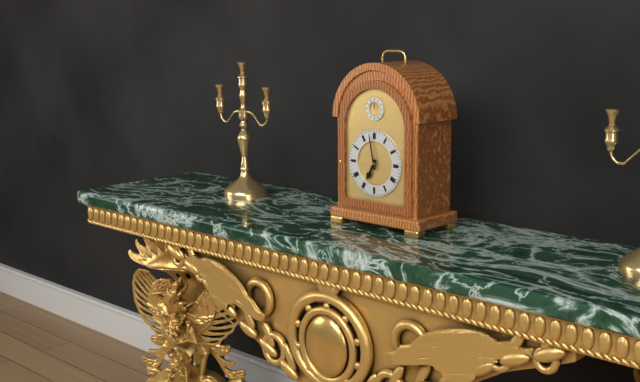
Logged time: **6:58**
